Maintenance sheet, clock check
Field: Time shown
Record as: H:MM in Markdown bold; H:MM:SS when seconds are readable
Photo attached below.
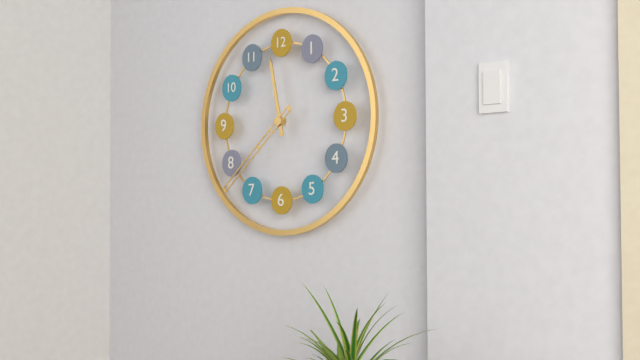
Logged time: **11:38**
